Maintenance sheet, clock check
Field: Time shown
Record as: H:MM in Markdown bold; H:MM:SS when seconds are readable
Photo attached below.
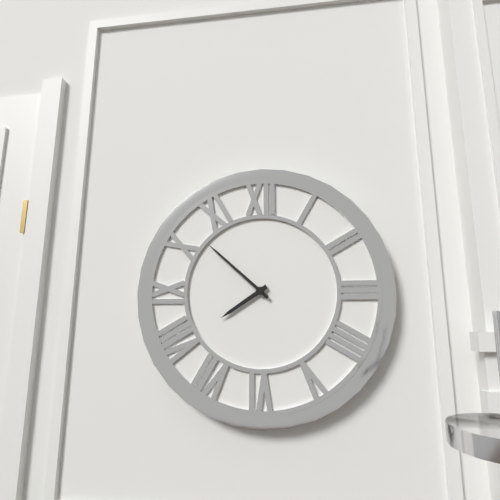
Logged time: **7:52**
